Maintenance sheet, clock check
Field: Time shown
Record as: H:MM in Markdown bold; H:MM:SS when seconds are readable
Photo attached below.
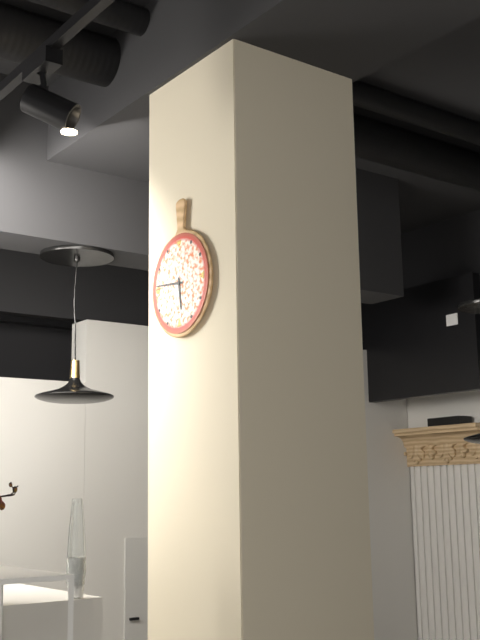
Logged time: **5:46**
